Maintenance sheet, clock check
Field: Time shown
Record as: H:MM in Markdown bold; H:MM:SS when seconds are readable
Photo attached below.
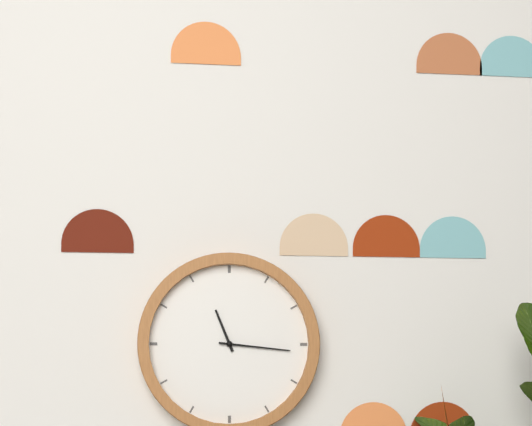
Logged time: **11:16**
